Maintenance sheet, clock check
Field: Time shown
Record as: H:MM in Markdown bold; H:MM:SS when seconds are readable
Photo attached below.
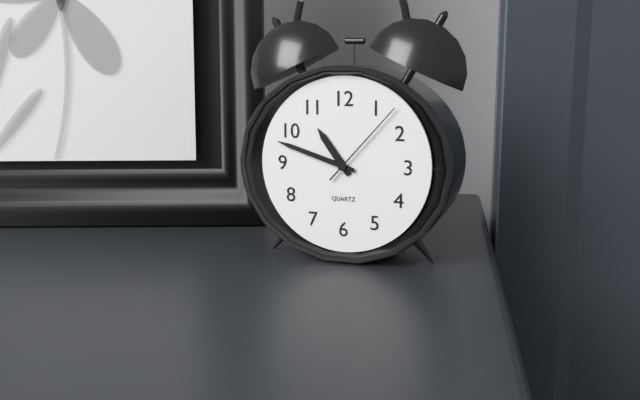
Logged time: **10:48:07**
